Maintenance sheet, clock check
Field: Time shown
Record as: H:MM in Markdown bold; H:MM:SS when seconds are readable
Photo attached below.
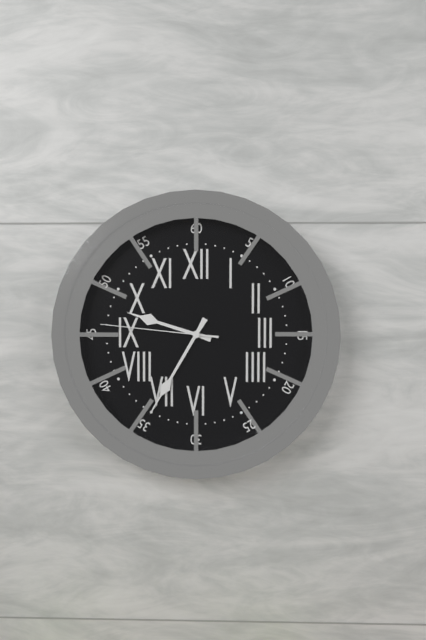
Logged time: **9:35:46**
